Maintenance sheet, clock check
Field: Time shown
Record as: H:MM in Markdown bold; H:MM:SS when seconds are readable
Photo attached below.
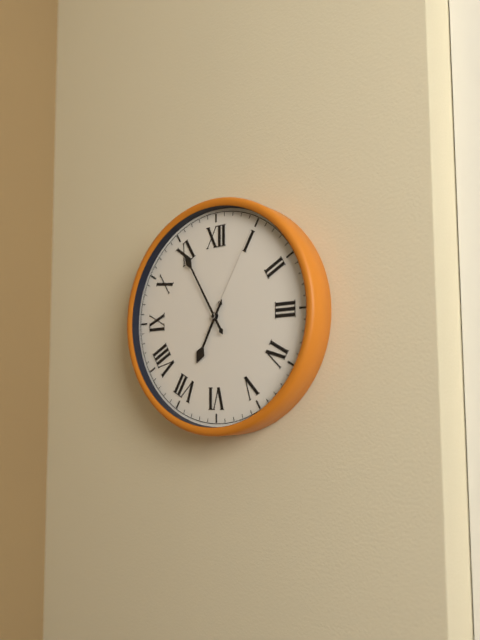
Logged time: **6:55:05**
